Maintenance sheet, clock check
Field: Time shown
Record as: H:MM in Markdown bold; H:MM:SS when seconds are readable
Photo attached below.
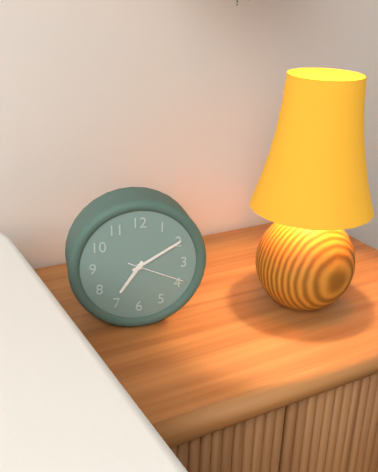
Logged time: **7:10:19**
